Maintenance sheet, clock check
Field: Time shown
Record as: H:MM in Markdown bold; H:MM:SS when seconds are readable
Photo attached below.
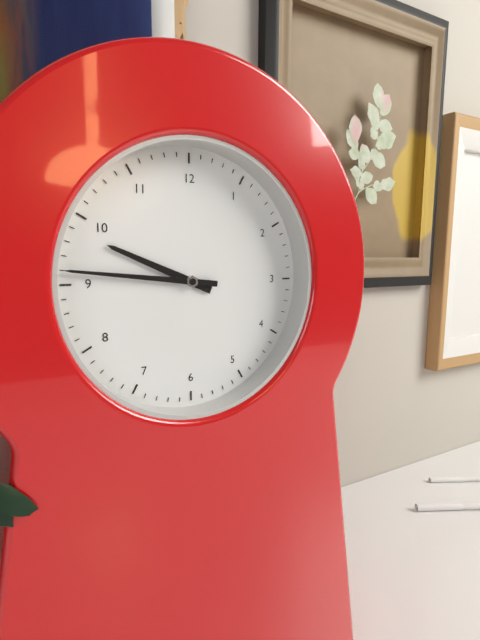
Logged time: **9:46**
